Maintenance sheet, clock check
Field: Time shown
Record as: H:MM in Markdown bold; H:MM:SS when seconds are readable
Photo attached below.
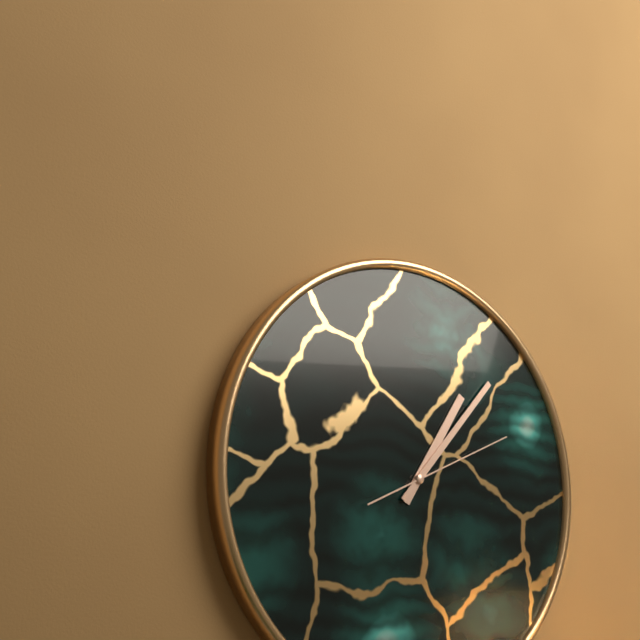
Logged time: **1:07:11**
